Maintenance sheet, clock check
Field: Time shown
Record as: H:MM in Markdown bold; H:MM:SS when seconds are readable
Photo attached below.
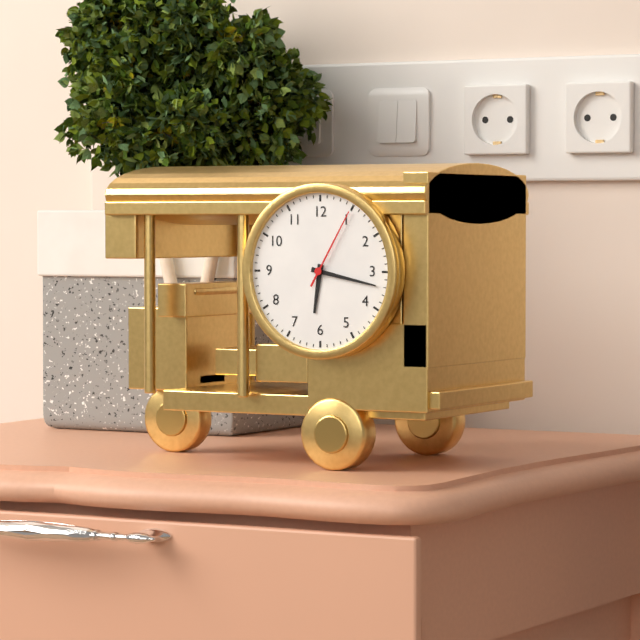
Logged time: **6:17:05**
